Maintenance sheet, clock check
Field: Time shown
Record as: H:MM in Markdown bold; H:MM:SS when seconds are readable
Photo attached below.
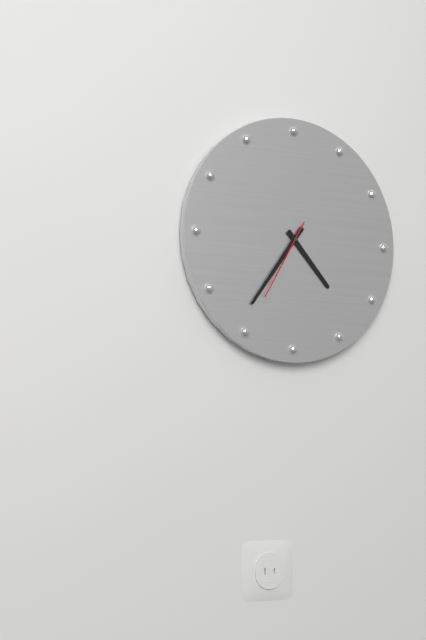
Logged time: **4:36:35**
